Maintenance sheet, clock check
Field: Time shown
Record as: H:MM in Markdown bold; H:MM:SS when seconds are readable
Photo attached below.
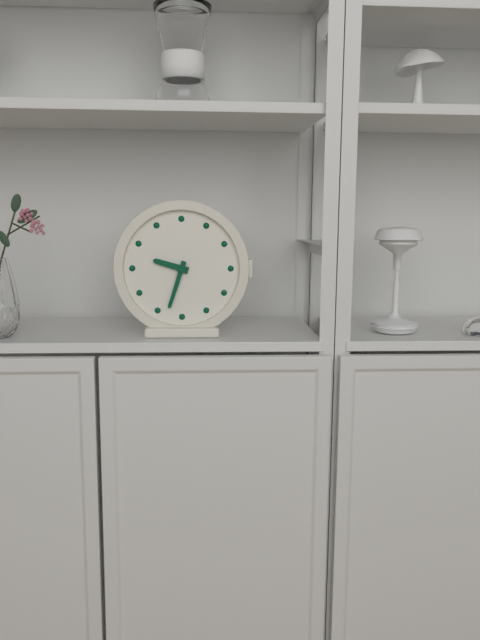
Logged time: **9:33**
